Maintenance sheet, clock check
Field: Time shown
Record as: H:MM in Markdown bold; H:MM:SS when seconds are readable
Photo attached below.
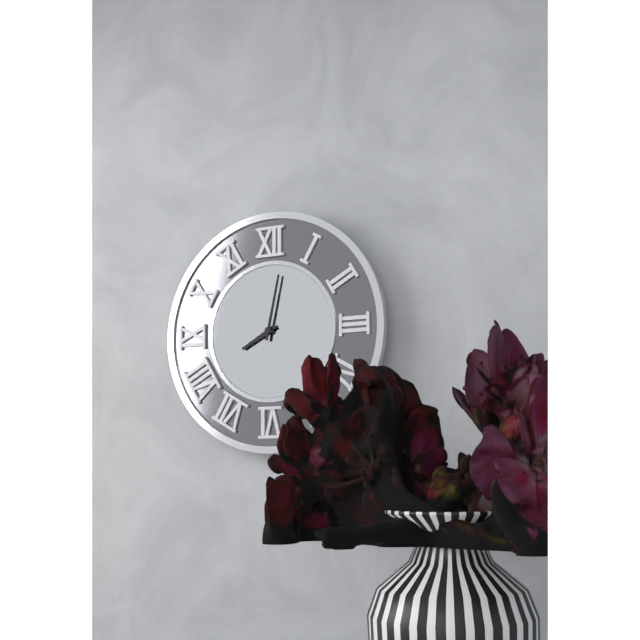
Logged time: **8:02**
